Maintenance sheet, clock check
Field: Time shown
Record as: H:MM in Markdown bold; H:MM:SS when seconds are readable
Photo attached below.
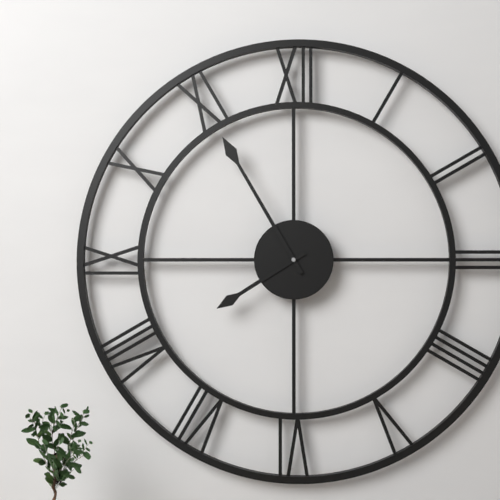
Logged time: **7:55**
